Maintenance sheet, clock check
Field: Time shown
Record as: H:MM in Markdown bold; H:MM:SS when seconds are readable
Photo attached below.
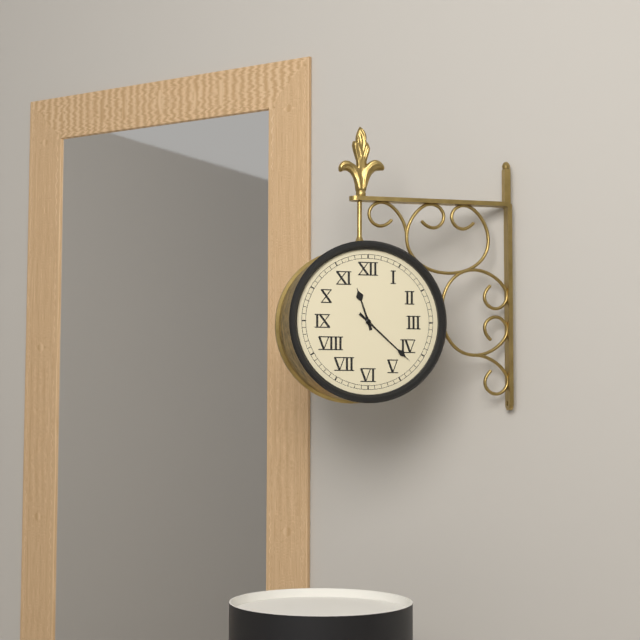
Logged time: **11:22**
